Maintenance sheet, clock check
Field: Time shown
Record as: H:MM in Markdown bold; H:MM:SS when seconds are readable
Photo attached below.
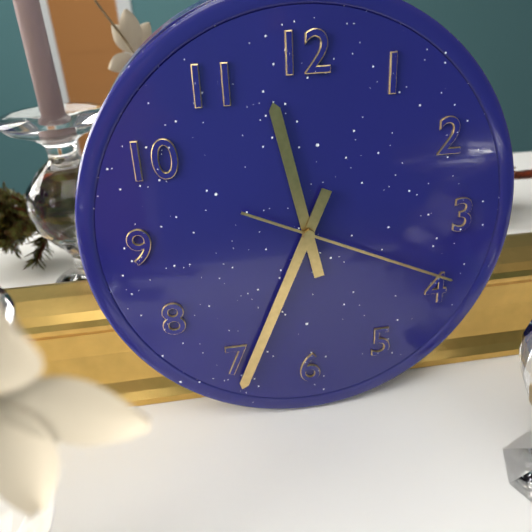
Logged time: **11:34:19**
